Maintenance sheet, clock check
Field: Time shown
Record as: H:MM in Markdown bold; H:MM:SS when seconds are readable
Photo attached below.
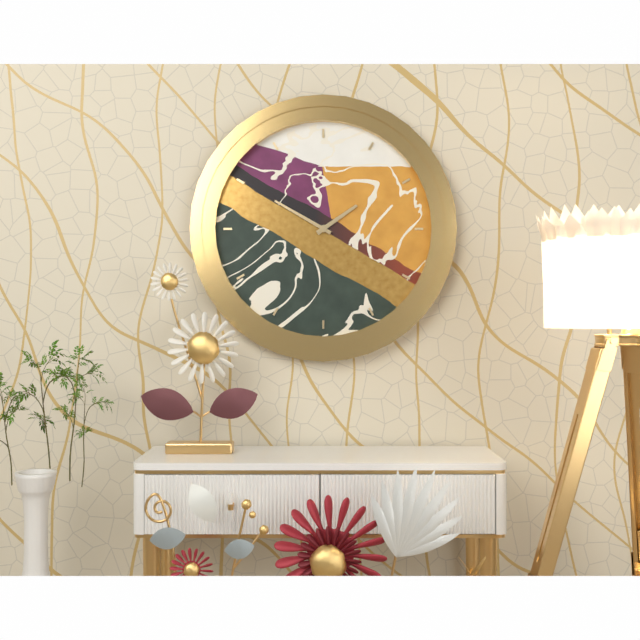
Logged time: **1:50**
